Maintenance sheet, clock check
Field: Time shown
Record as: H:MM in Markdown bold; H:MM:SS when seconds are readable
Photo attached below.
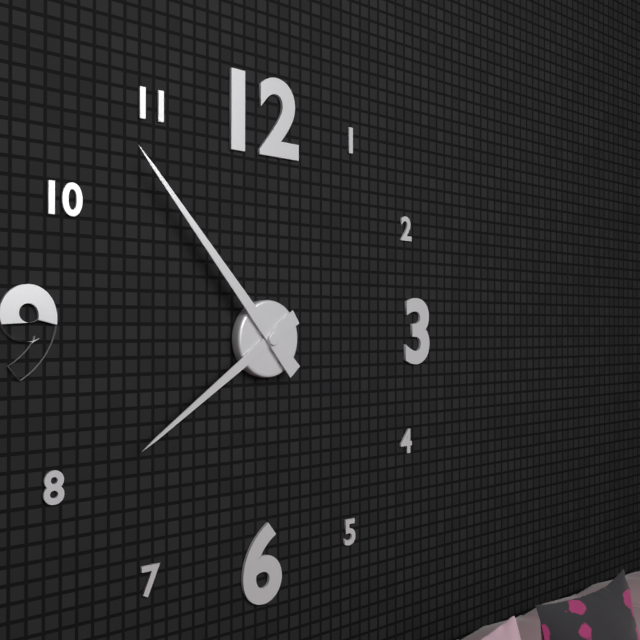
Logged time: **7:53**
